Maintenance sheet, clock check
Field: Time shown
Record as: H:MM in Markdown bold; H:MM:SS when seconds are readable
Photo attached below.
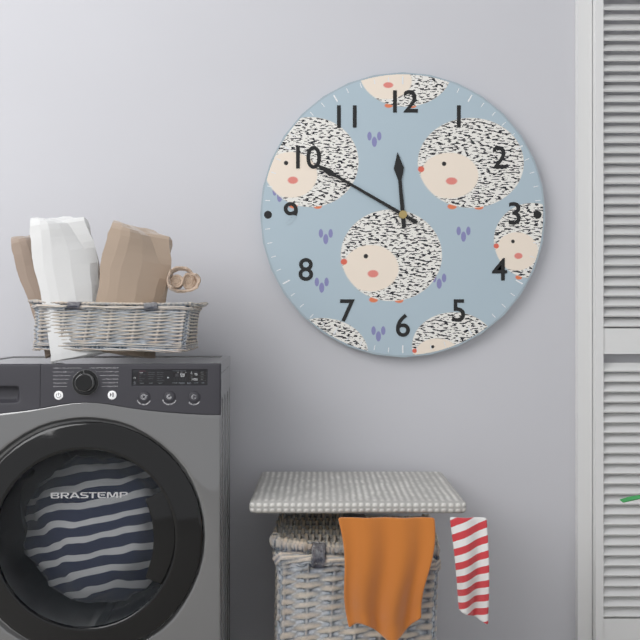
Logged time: **11:50**
